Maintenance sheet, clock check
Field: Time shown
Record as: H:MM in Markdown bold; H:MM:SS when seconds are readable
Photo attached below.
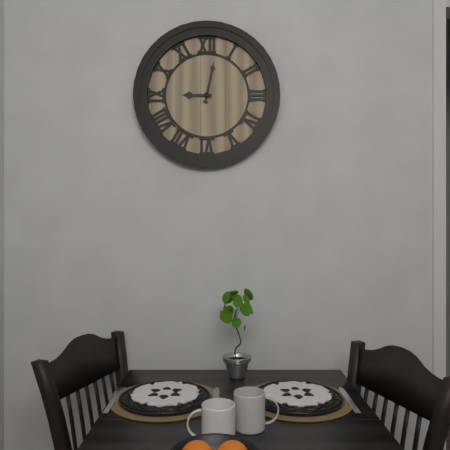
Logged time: **9:02**
